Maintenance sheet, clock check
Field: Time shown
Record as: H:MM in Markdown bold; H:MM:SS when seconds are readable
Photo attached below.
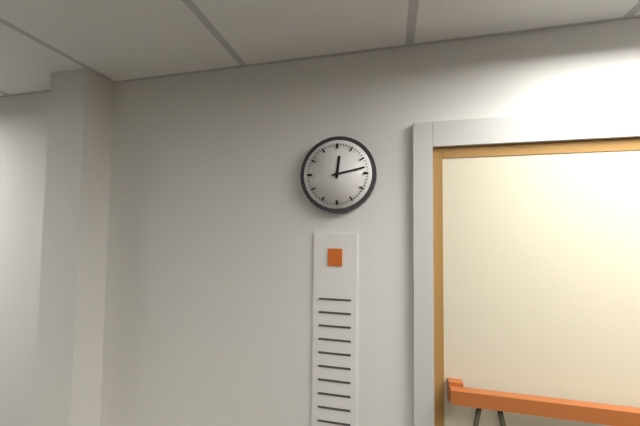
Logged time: **12:13**
